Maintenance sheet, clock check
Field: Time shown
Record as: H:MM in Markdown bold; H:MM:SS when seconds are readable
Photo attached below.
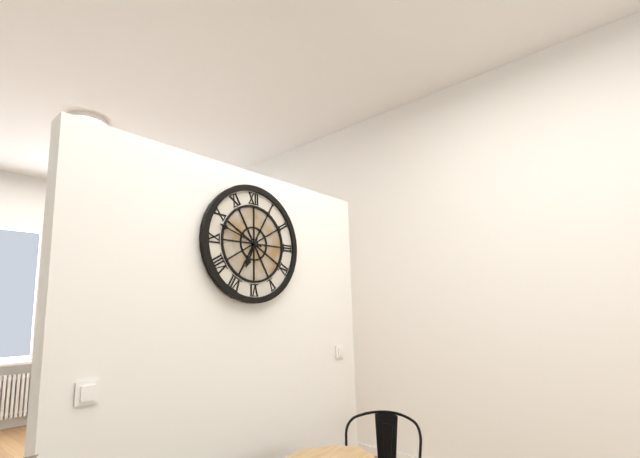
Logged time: **6:48**
